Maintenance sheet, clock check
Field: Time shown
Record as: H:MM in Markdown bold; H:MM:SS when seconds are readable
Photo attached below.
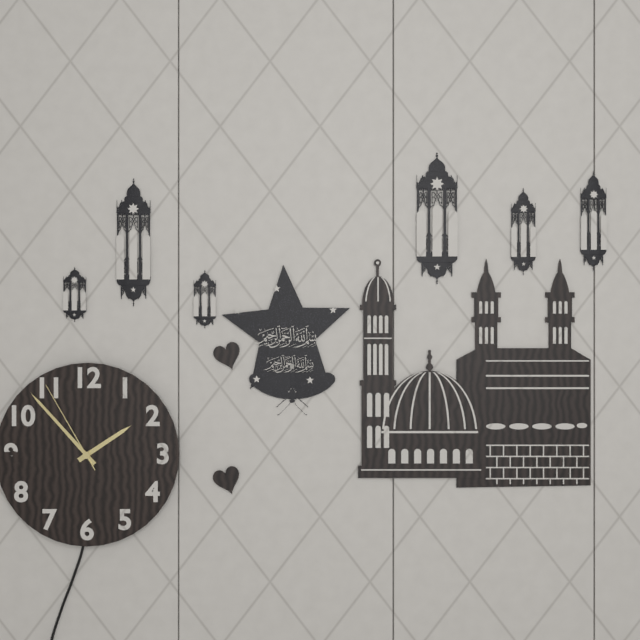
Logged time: **1:53:55**
